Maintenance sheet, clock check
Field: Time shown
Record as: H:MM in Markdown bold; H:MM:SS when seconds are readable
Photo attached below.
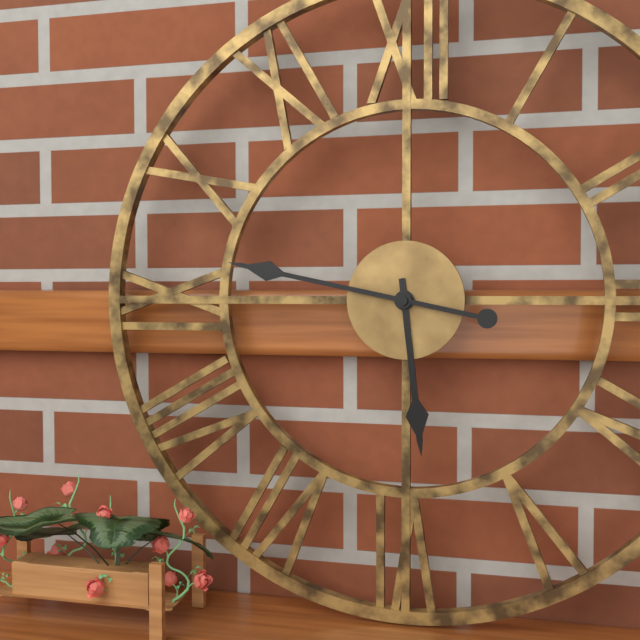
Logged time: **5:47**
